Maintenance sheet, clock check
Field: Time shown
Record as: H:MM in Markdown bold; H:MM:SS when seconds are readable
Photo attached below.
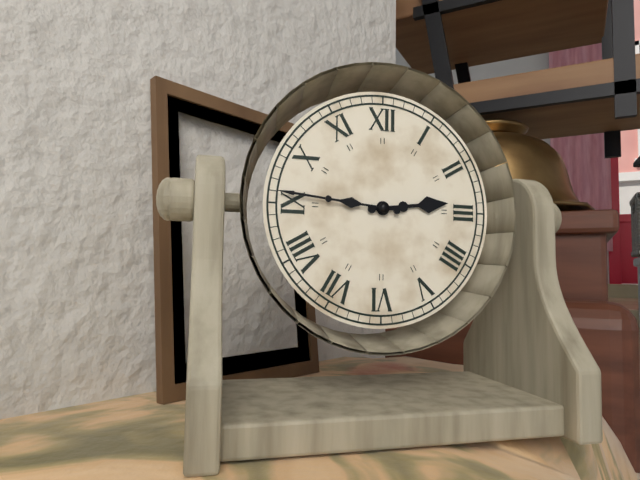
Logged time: **2:46**
